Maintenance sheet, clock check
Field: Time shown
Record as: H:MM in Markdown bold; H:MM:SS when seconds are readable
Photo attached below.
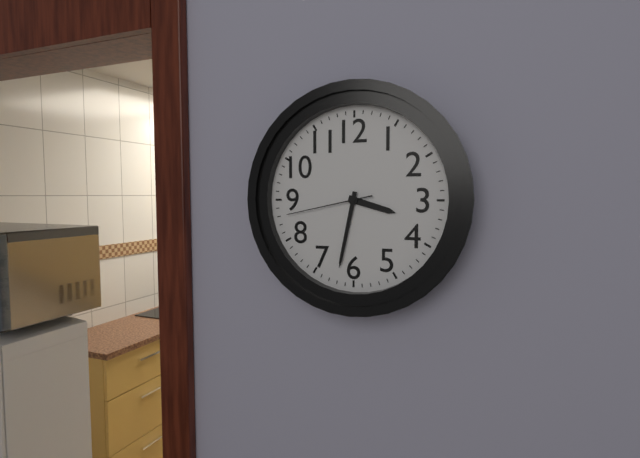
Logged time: **3:32:43**
